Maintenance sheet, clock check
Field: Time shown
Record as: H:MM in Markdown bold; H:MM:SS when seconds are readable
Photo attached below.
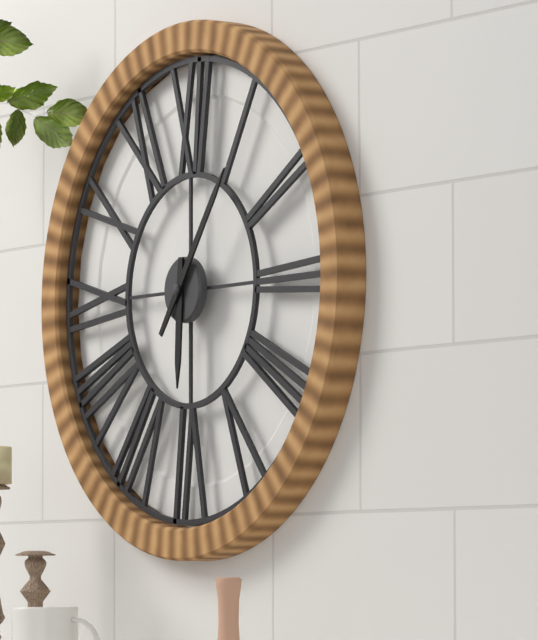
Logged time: **6:06**
